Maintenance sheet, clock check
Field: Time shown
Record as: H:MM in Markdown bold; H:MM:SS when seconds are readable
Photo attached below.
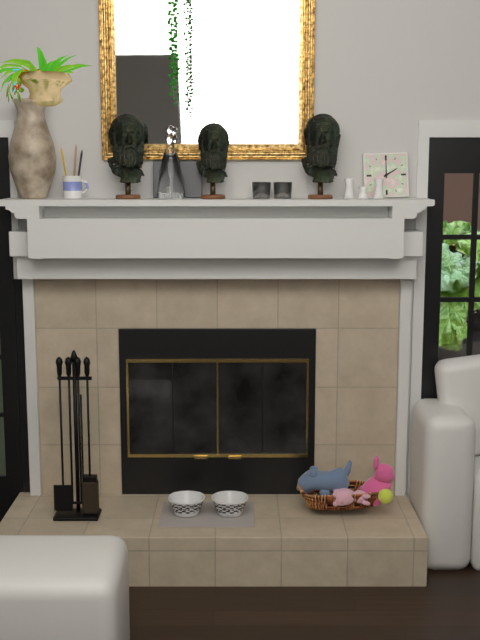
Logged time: **2:00**
